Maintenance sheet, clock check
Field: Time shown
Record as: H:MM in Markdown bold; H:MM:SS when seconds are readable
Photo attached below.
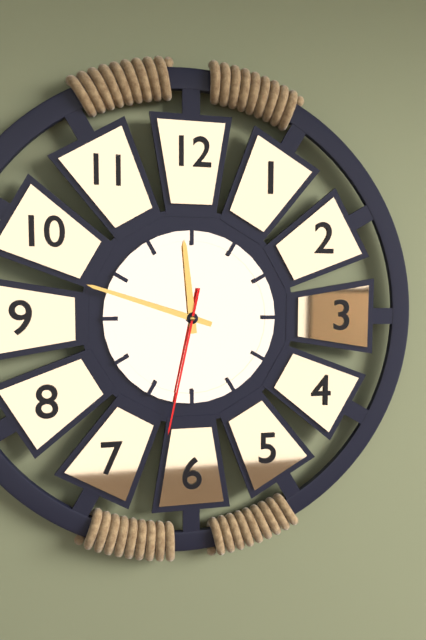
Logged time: **11:48:32**
